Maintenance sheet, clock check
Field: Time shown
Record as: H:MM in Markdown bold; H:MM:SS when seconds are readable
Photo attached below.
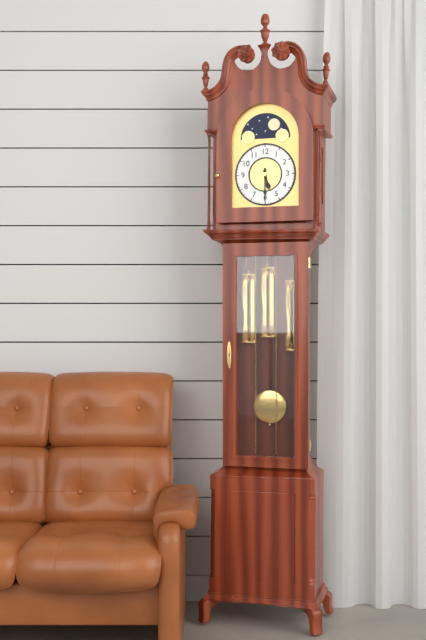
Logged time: **5:30**
